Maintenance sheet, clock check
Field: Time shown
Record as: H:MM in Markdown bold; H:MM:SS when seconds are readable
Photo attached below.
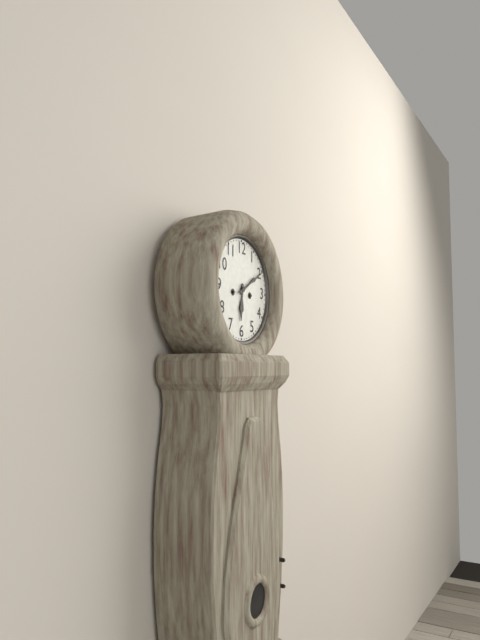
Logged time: **6:10**
